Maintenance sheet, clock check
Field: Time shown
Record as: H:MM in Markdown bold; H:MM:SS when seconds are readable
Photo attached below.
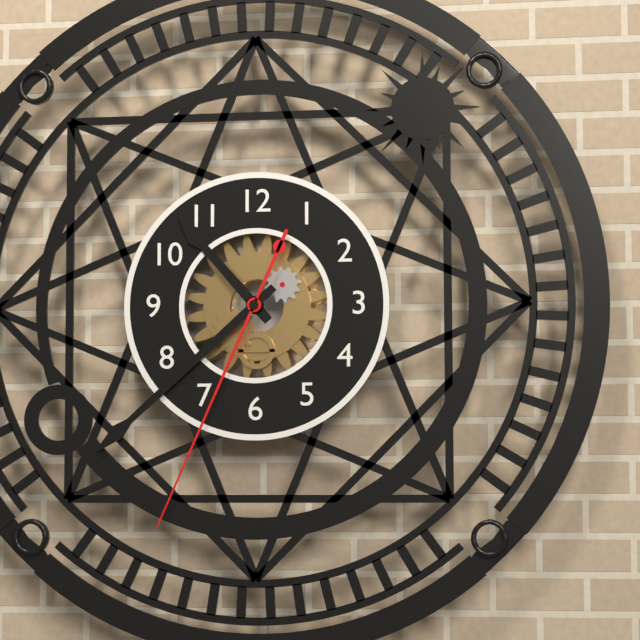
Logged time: **10:38:34**
